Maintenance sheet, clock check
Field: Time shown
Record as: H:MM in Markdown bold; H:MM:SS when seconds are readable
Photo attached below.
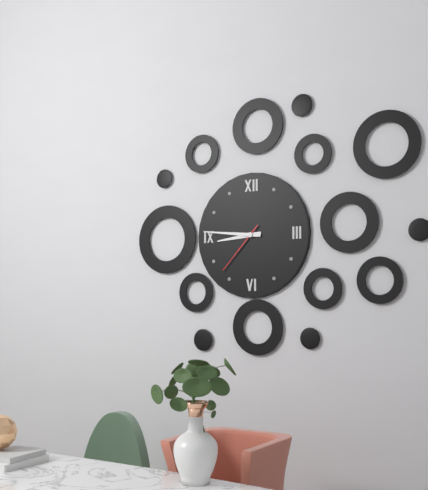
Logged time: **8:46:37**
